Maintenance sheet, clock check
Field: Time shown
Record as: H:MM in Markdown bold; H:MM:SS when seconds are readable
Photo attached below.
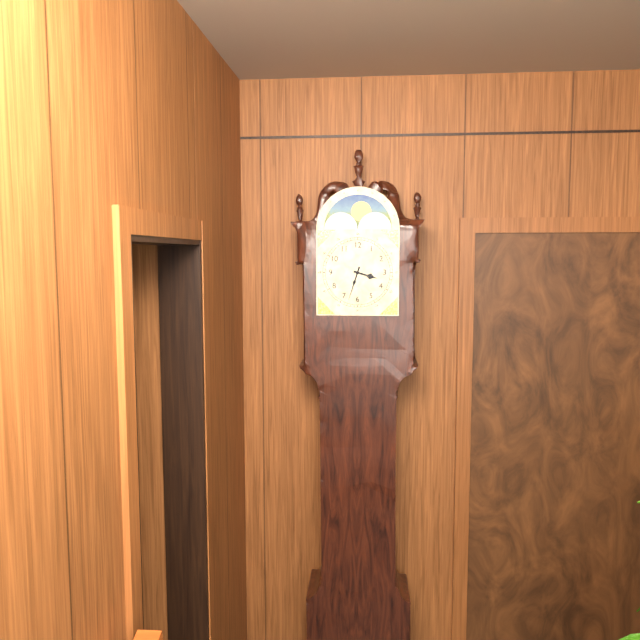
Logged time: **3:33**
